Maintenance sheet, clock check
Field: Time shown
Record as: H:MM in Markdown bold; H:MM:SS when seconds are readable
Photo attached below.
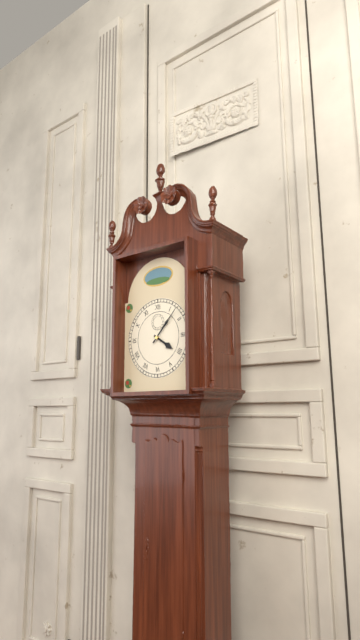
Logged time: **4:07**
